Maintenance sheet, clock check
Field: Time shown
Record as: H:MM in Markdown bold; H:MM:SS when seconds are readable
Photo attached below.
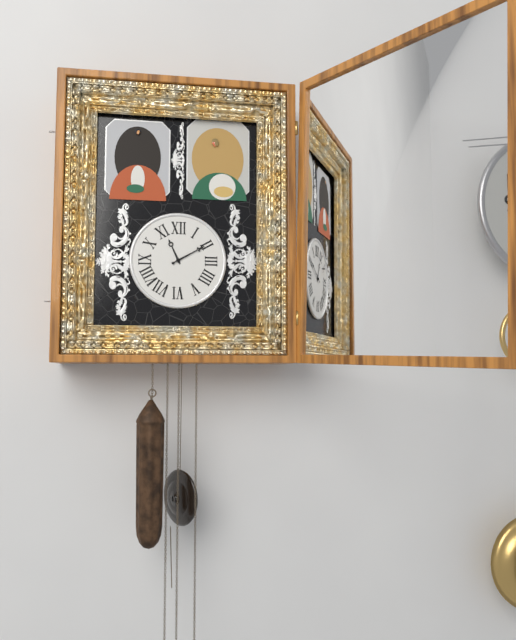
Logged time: **11:10**
